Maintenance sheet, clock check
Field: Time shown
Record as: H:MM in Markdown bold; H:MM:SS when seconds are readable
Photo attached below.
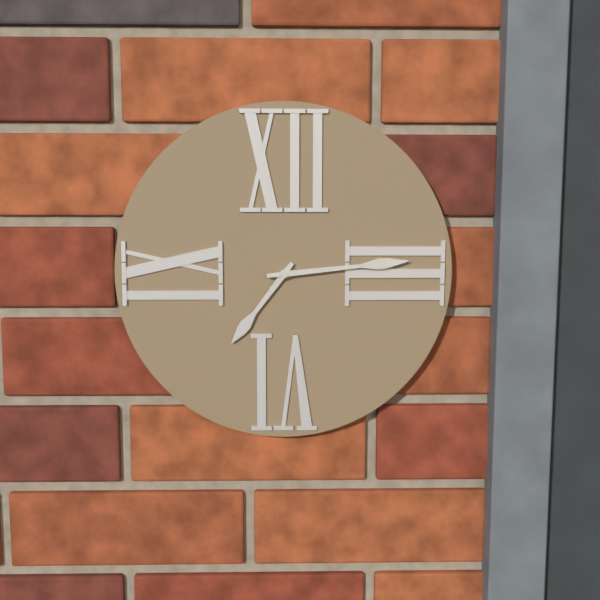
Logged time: **7:14**
